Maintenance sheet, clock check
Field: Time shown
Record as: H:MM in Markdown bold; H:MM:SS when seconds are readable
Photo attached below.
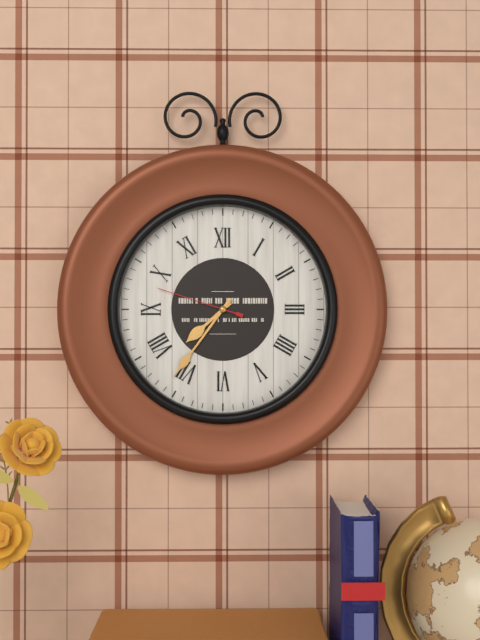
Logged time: **7:36:48**
